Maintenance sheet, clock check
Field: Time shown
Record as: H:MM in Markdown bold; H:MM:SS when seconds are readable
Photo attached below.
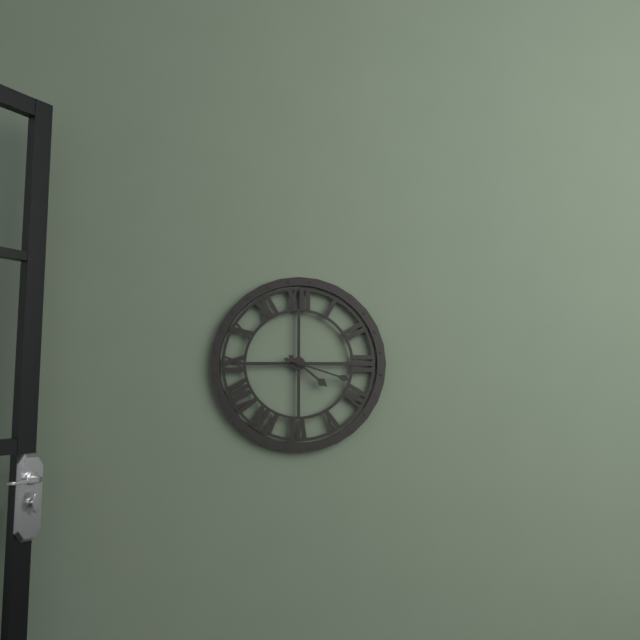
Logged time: **4:18**
